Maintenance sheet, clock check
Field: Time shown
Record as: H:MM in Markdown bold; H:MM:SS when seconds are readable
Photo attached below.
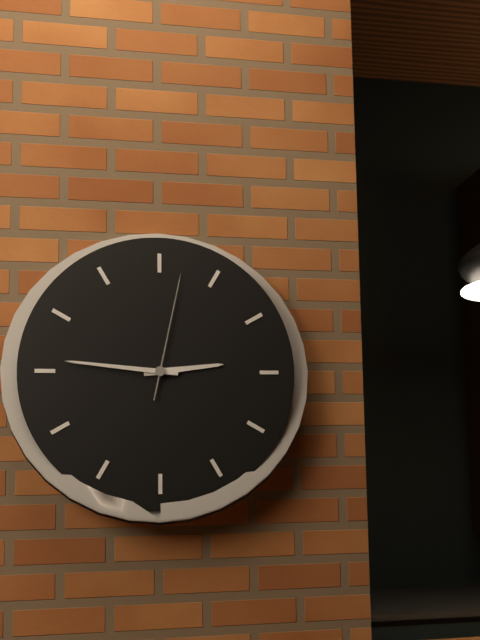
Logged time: **2:46:02**
